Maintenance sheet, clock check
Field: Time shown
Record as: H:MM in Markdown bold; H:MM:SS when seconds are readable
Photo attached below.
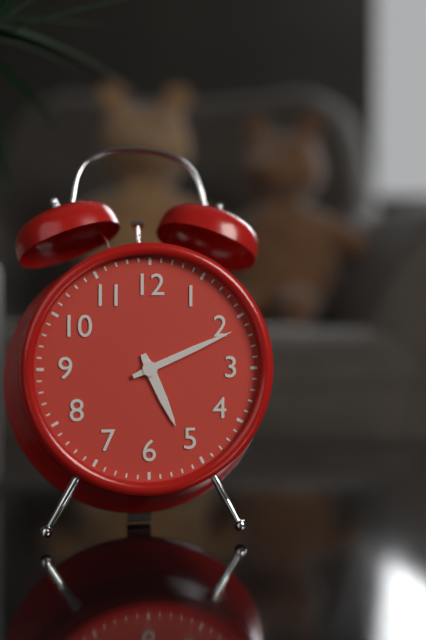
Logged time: **5:11**
